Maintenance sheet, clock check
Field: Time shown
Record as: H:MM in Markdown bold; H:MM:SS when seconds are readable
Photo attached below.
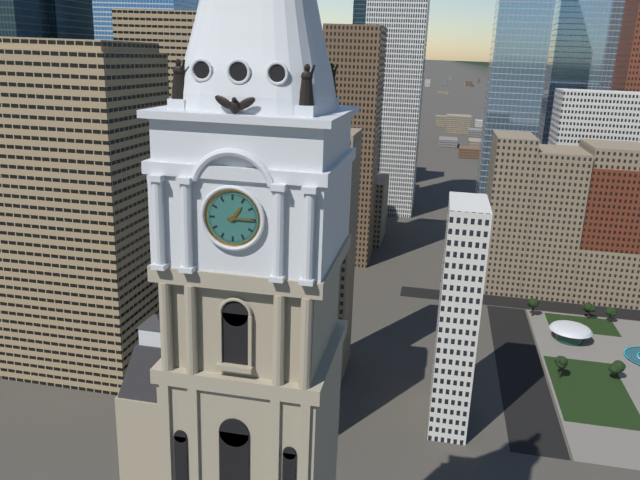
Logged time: **1:15**
